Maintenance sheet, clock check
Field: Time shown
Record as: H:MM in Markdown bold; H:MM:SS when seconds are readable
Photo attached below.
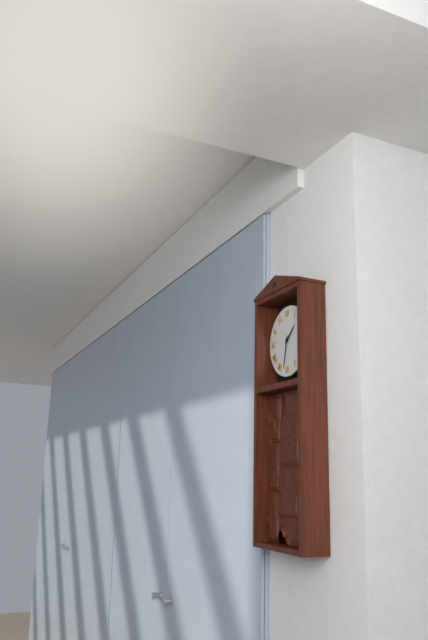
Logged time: **1:32**
